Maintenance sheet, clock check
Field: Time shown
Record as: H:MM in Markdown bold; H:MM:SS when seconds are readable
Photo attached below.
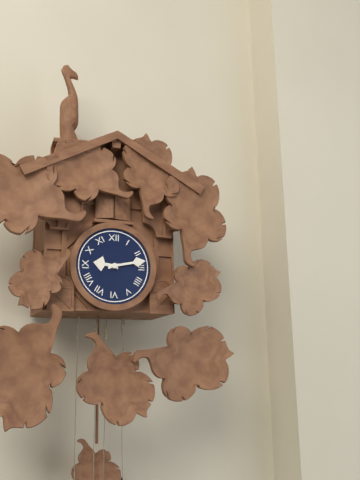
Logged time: **9:13**
